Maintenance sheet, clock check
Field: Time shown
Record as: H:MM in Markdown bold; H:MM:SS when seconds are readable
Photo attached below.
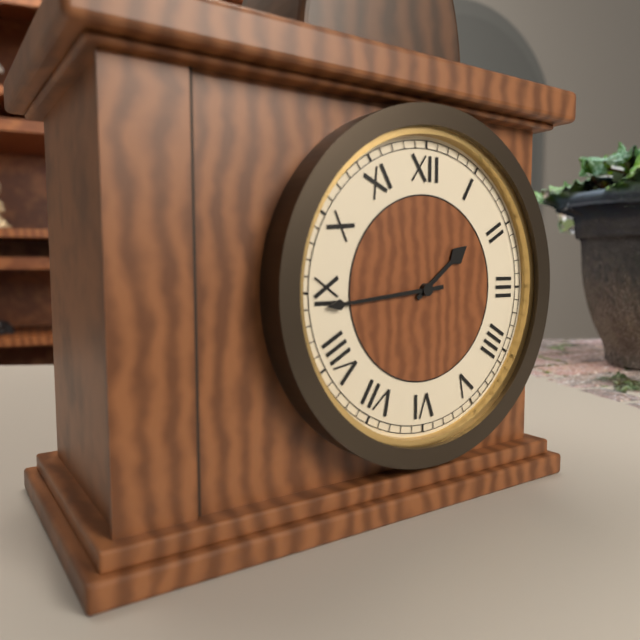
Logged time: **1:44**
